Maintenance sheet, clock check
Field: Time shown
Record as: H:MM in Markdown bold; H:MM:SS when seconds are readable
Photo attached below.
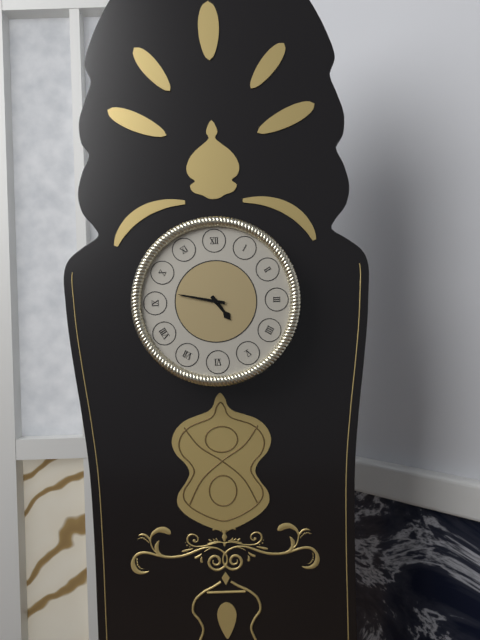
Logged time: **4:47**
